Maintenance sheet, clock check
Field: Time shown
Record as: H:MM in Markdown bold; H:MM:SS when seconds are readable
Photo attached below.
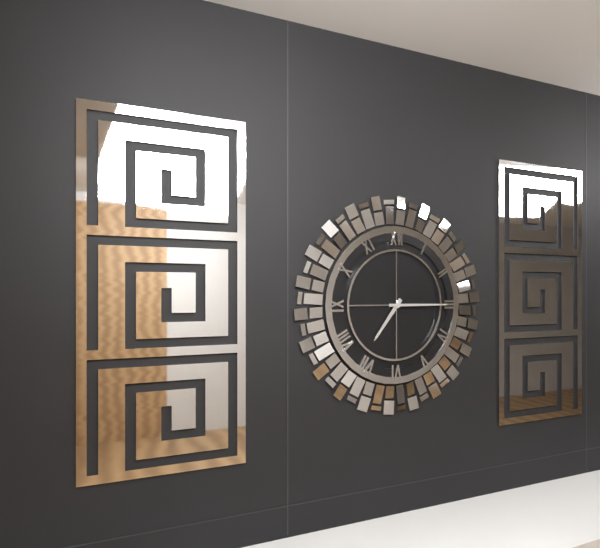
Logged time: **7:15**
